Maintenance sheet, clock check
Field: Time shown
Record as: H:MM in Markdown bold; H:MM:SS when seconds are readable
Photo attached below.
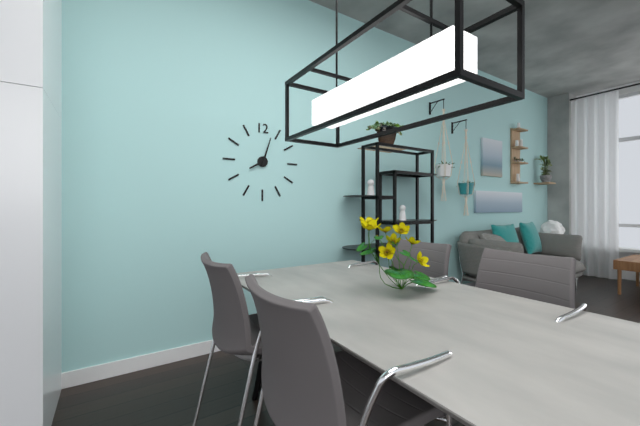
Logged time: **8:03**
